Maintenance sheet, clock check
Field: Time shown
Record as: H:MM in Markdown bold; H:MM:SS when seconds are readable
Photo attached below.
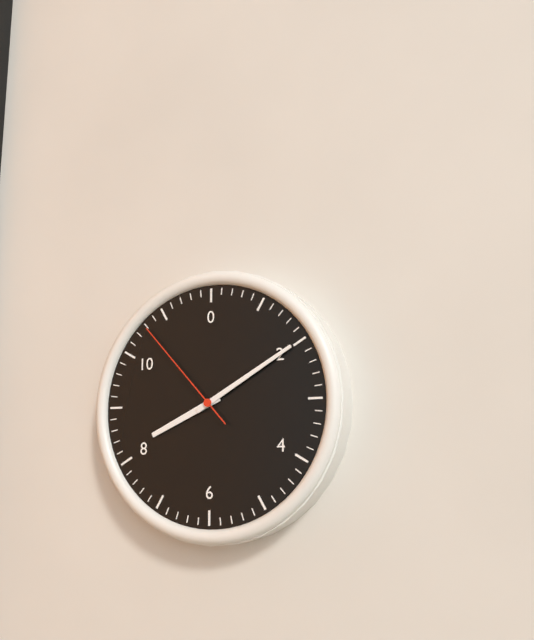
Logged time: **8:10:53**
